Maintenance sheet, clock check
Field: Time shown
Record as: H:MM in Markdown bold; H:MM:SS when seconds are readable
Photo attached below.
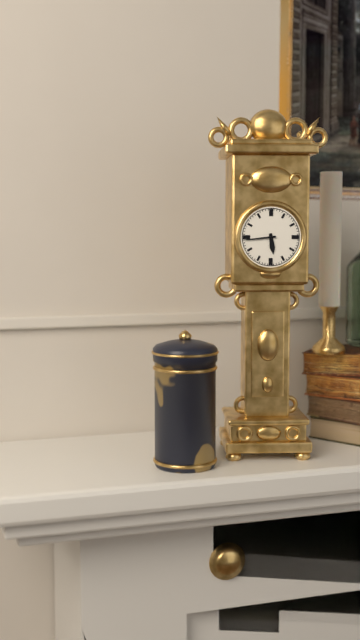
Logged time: **5:44**
